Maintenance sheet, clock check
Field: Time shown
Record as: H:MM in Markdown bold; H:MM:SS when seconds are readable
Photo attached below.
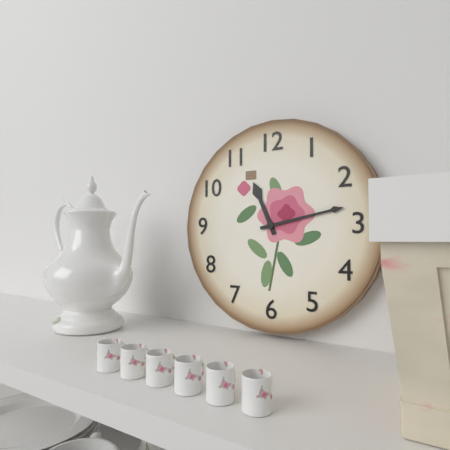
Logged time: **11:13**
